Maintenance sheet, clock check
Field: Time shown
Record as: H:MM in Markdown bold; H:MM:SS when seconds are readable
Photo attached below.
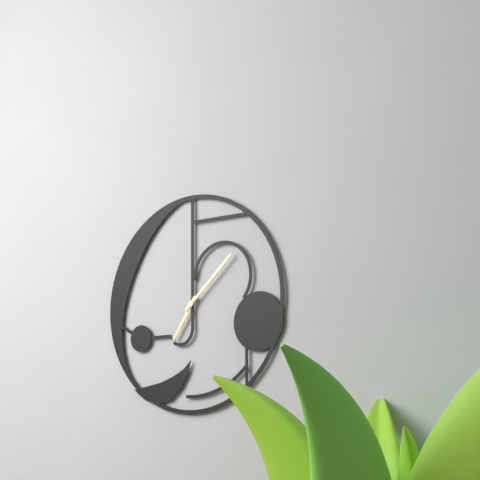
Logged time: **7:08**
